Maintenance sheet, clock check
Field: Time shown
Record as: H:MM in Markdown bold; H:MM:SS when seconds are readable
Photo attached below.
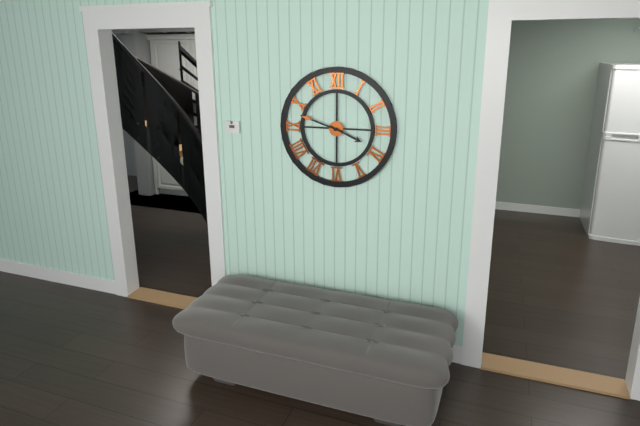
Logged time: **3:48**
